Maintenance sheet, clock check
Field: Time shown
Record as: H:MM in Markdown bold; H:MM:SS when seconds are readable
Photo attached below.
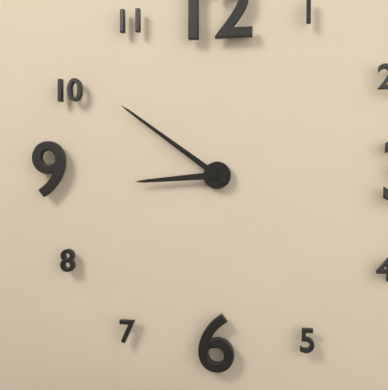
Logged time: **8:51**
